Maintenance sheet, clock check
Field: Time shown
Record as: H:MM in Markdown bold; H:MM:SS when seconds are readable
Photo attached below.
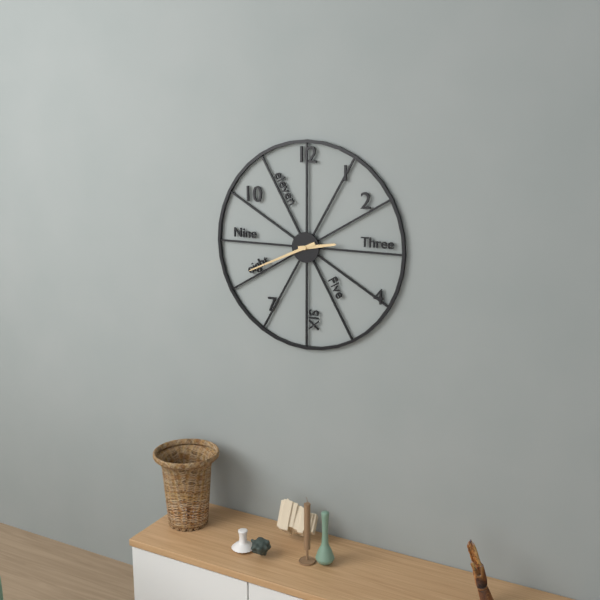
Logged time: **2:41**
